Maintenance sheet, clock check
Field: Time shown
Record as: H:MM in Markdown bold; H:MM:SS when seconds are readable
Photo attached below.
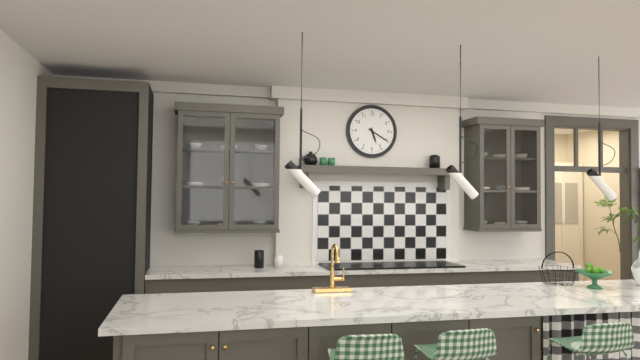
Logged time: **5:20**
